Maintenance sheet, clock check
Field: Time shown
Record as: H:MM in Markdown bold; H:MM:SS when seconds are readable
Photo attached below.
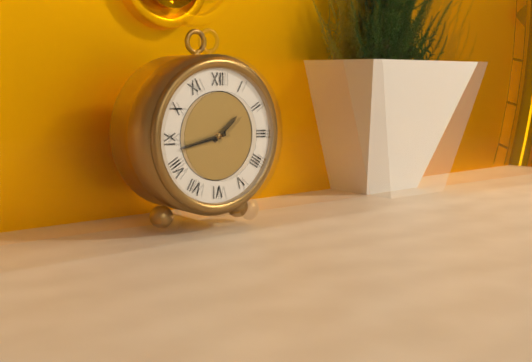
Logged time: **1:43**
